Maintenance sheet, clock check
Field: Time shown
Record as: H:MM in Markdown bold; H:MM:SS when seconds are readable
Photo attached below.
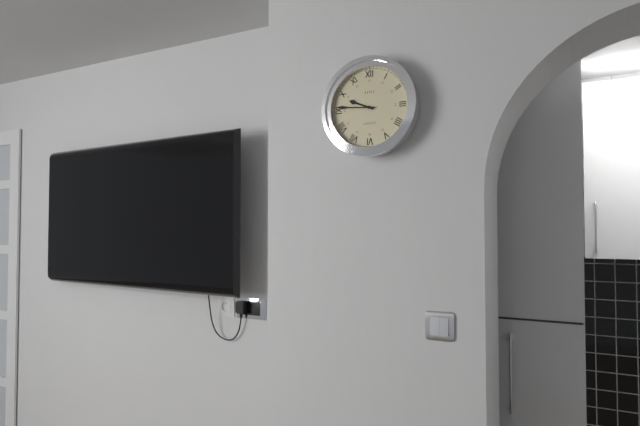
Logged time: **9:46**
